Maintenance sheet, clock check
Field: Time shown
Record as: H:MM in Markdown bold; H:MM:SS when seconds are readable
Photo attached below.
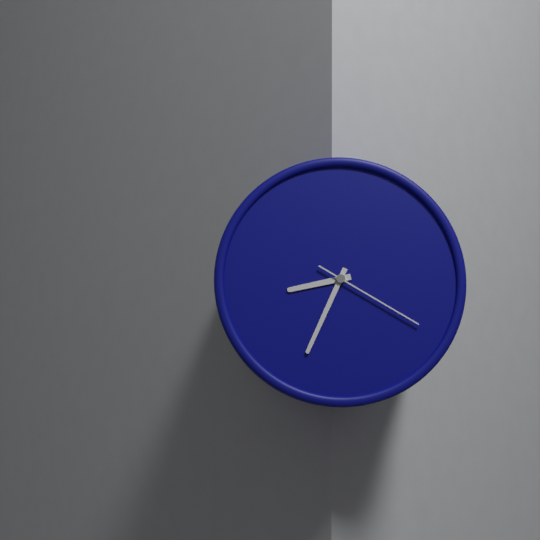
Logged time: **8:34:20**
